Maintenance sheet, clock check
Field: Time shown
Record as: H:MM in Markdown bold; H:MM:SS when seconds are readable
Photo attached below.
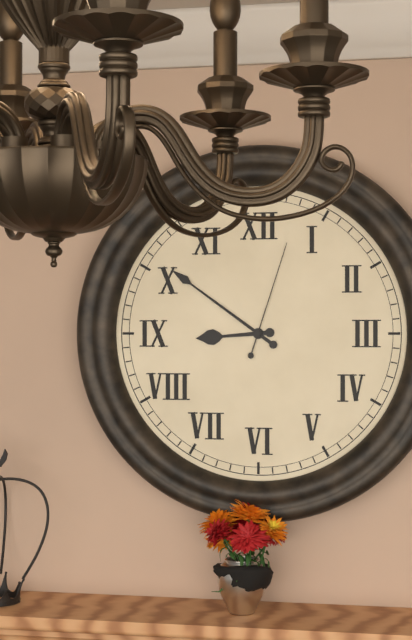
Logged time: **8:51:03**
